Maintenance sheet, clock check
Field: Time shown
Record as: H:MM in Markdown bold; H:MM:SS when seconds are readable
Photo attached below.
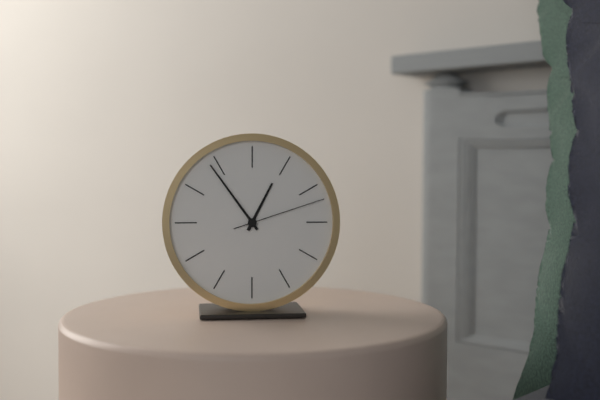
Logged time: **12:54:12**
